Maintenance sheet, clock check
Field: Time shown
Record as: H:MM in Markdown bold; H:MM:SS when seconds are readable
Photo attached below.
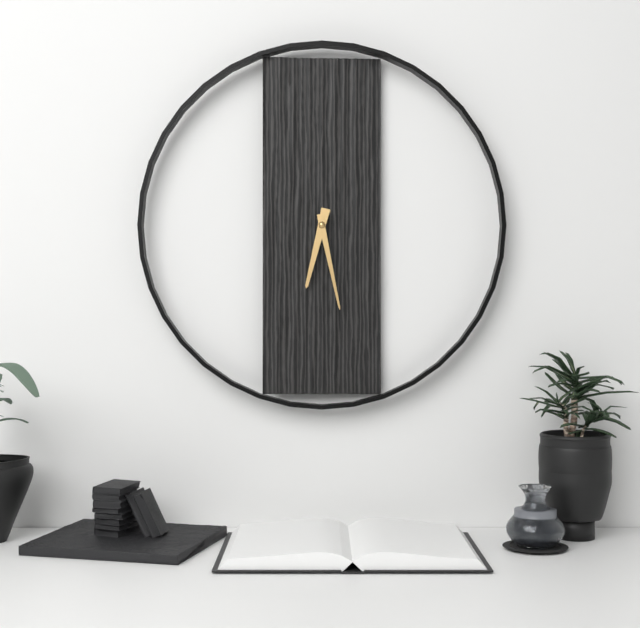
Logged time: **6:28**
